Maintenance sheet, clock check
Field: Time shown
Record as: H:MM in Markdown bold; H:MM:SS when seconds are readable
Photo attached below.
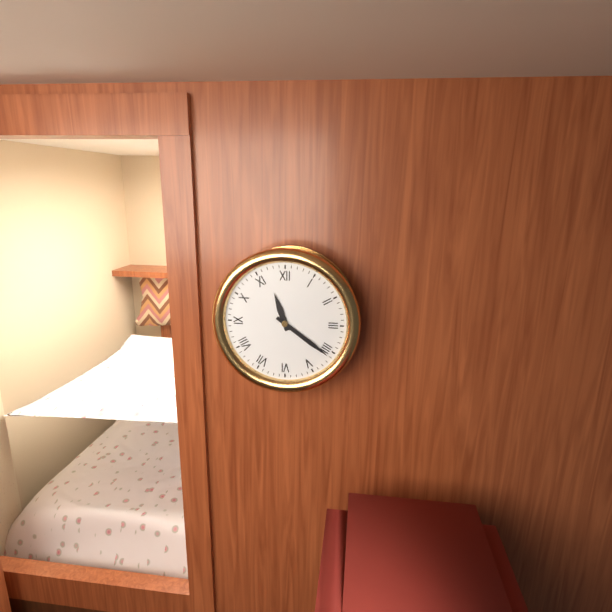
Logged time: **11:21**
